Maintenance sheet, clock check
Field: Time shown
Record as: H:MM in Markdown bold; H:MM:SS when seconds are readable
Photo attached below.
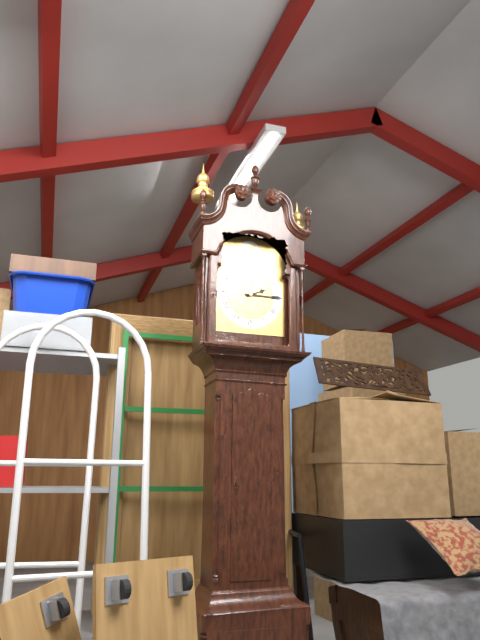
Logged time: **2:15**
